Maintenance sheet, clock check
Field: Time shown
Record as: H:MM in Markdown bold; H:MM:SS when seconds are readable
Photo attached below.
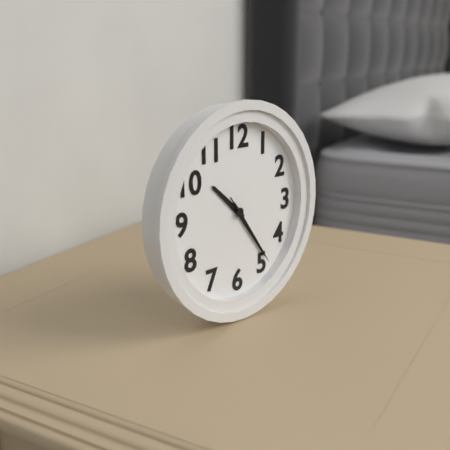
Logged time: **10:24:24**
